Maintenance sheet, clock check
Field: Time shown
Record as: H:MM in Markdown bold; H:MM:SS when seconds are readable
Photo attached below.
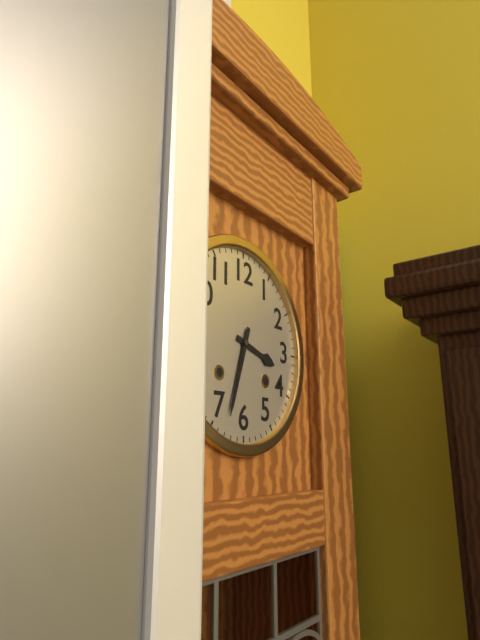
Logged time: **3:33**
